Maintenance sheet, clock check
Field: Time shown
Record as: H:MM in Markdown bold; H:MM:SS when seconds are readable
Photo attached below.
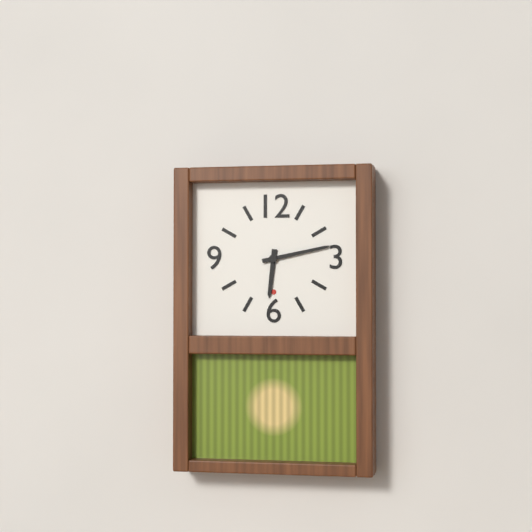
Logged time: **6:13**
